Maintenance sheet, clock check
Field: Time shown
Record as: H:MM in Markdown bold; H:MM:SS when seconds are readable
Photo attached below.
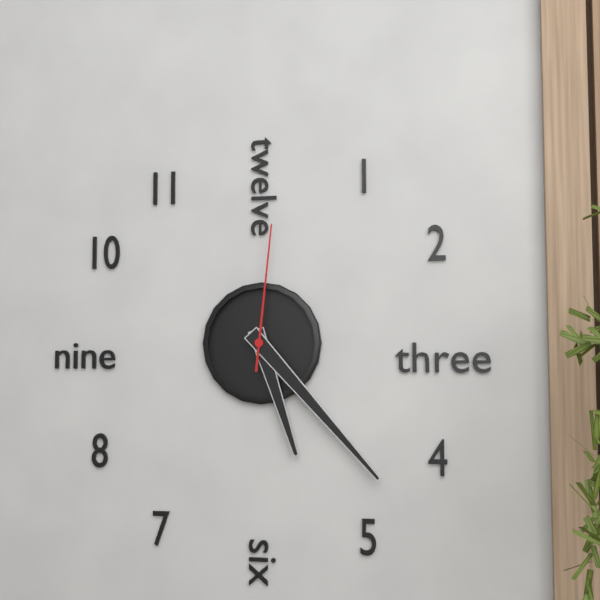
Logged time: **5:23:01**
